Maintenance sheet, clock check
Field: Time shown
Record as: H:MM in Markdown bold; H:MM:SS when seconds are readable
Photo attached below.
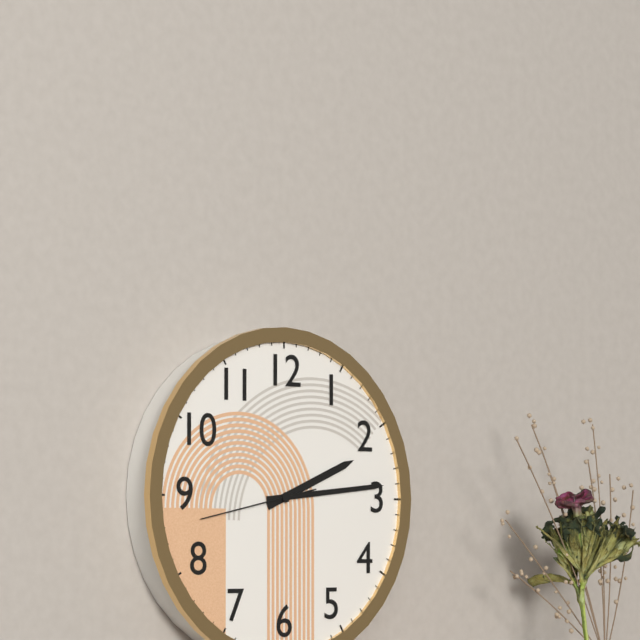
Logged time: **2:14:43**
